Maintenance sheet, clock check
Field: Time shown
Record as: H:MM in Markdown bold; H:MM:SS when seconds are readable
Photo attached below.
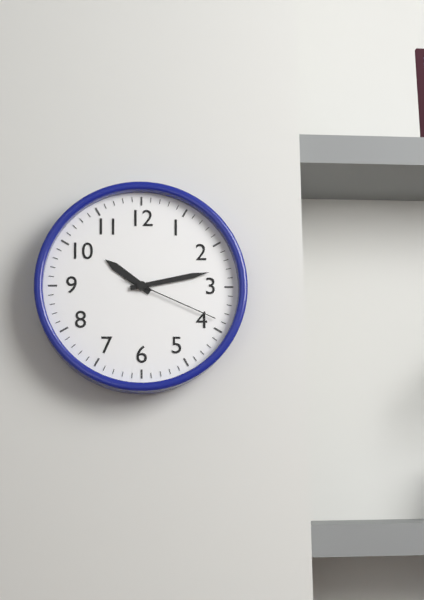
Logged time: **10:13:19**
